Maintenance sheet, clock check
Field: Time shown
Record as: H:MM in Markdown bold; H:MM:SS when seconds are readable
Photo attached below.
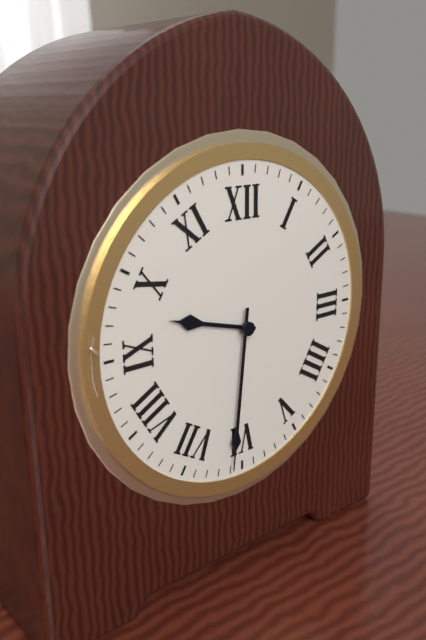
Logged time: **9:31**
